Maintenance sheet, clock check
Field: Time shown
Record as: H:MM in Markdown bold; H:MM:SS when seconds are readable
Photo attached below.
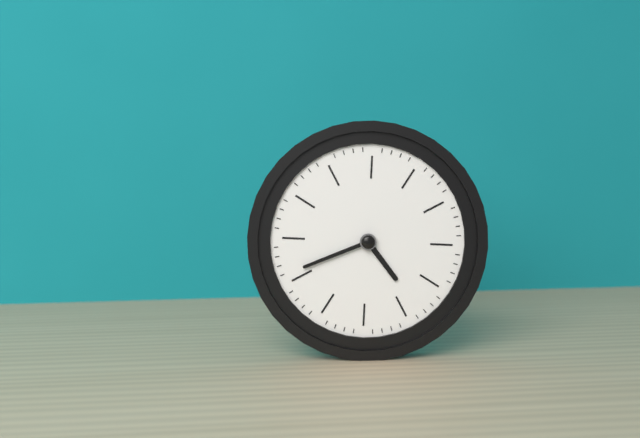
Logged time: **4:41**
